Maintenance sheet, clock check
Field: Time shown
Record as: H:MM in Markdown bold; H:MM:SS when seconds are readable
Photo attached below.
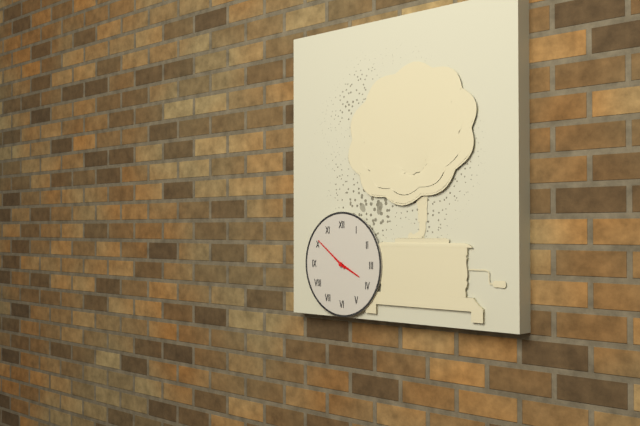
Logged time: **3:51**
